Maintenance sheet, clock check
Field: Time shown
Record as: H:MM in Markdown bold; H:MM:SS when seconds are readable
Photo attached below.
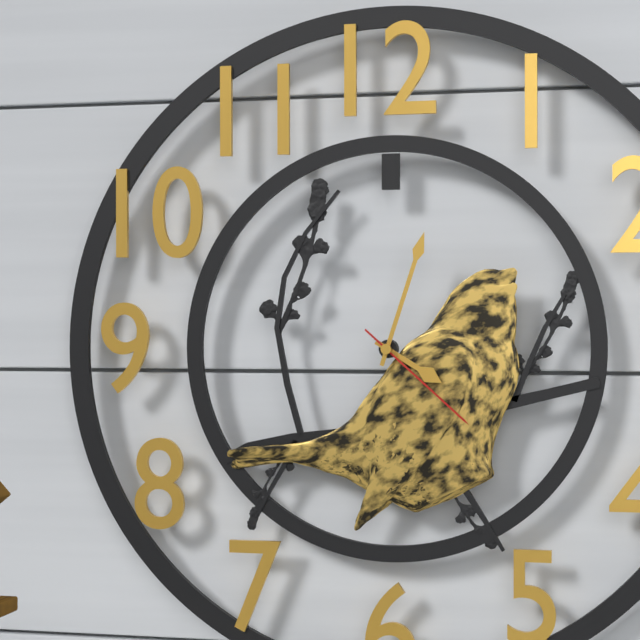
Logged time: **4:03:22**
